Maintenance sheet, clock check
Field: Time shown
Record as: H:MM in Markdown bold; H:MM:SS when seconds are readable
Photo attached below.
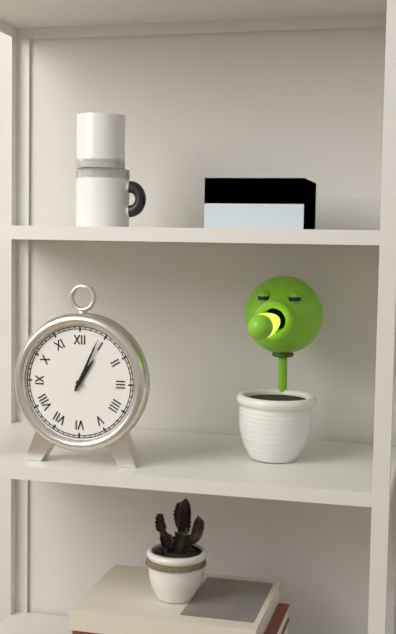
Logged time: **1:04**
